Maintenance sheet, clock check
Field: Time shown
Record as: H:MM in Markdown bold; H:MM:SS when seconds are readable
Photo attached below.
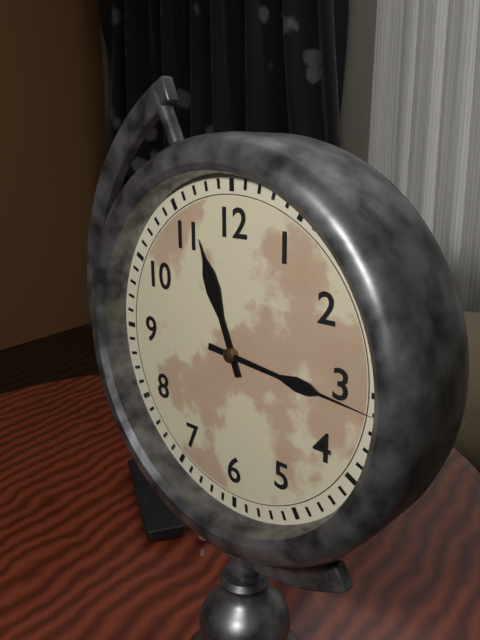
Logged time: **11:16**
